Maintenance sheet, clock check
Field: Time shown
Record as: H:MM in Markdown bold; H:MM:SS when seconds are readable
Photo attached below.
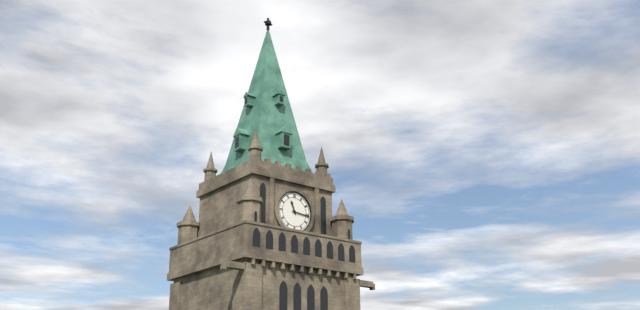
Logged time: **11:16**
